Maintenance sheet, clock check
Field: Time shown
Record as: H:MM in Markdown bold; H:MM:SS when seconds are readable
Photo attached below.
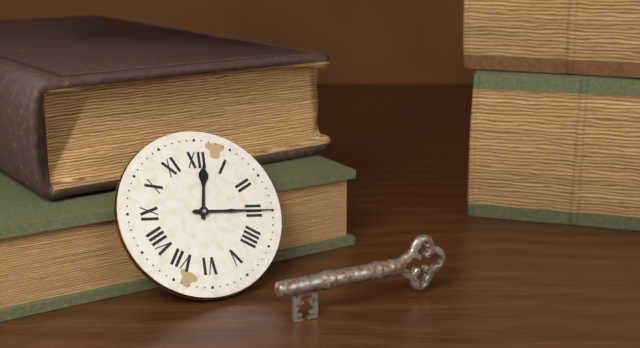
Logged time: **12:15**
